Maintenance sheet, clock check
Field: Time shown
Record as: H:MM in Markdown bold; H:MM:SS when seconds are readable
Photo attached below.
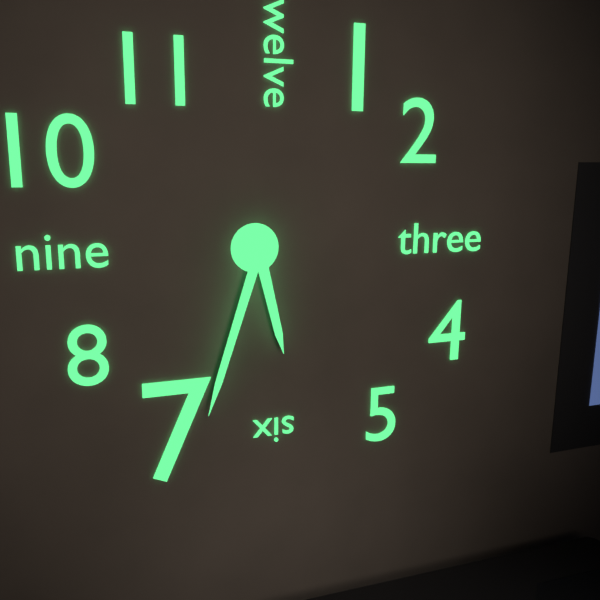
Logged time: **5:33**
